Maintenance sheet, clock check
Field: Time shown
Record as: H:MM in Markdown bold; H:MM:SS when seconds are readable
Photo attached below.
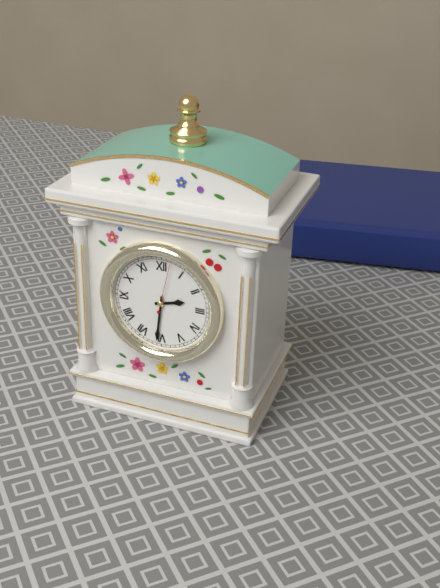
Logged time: **2:31:02**
